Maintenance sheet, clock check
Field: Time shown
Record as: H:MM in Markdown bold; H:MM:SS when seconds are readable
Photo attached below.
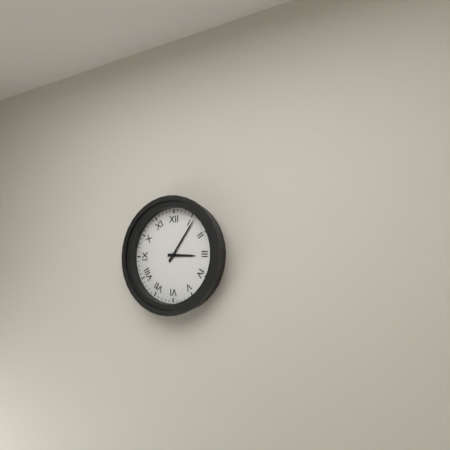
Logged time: **3:06**
